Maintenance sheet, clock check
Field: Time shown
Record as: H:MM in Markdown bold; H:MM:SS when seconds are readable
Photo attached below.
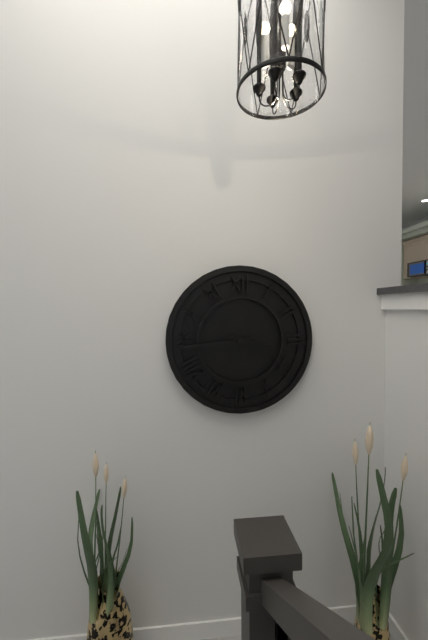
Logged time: **3:44:18**
